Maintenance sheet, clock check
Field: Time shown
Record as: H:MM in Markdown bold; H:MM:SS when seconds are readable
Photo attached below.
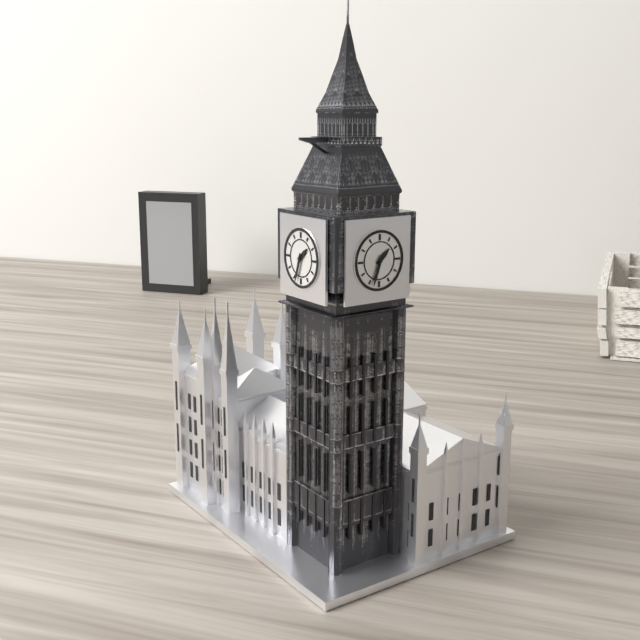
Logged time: **1:33**
